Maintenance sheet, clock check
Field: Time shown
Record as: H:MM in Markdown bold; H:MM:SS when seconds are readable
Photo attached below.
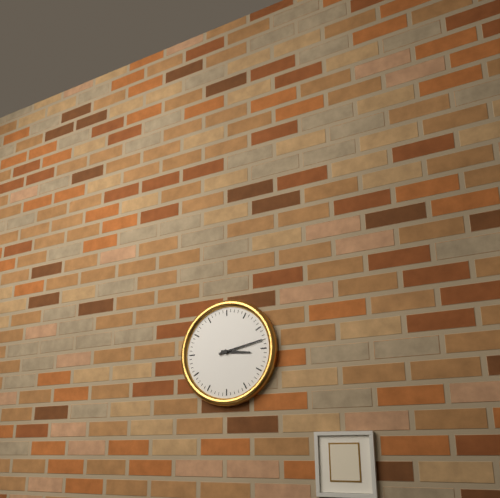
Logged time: **3:13**
